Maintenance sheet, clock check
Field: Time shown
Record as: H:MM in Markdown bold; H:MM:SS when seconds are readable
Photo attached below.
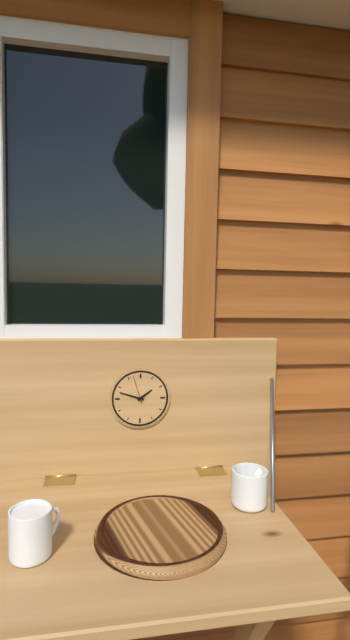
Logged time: **1:48**
